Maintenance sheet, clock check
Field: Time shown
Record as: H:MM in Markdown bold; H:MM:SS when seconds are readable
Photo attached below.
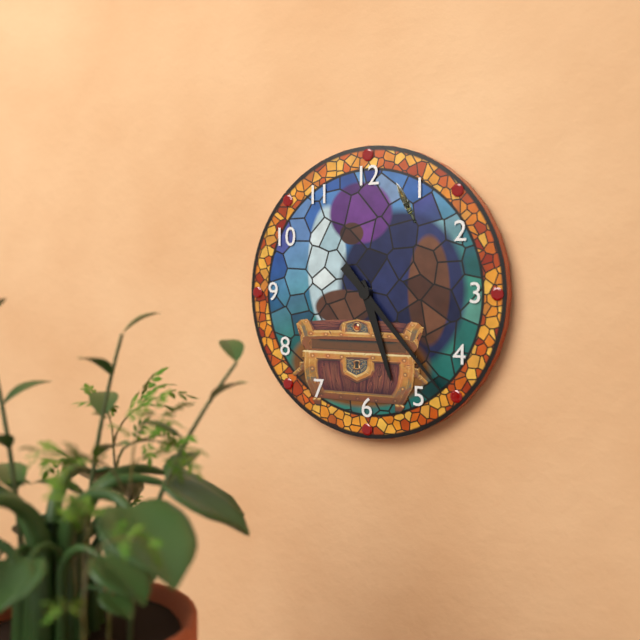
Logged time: **5:23**
